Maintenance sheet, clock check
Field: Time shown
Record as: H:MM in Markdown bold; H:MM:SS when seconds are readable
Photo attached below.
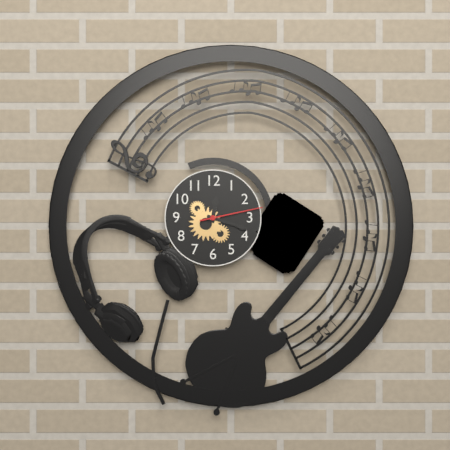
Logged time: **12:18:13**
